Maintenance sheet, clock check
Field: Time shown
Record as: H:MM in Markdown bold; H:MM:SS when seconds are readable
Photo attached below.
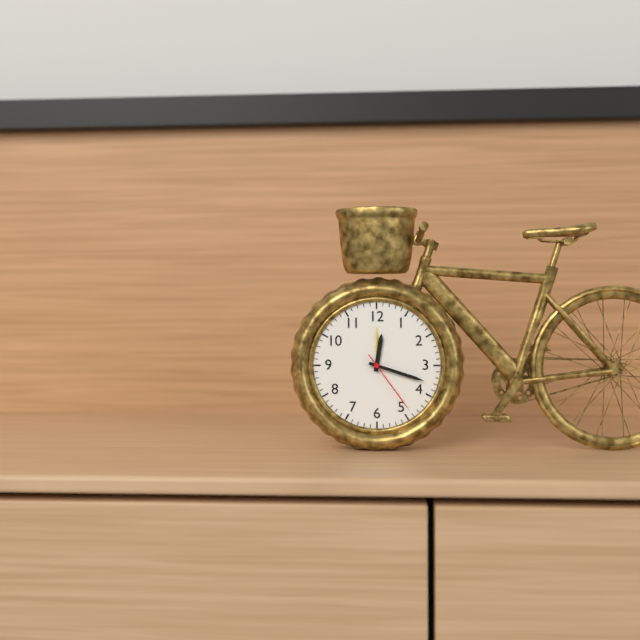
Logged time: **12:18:24**
